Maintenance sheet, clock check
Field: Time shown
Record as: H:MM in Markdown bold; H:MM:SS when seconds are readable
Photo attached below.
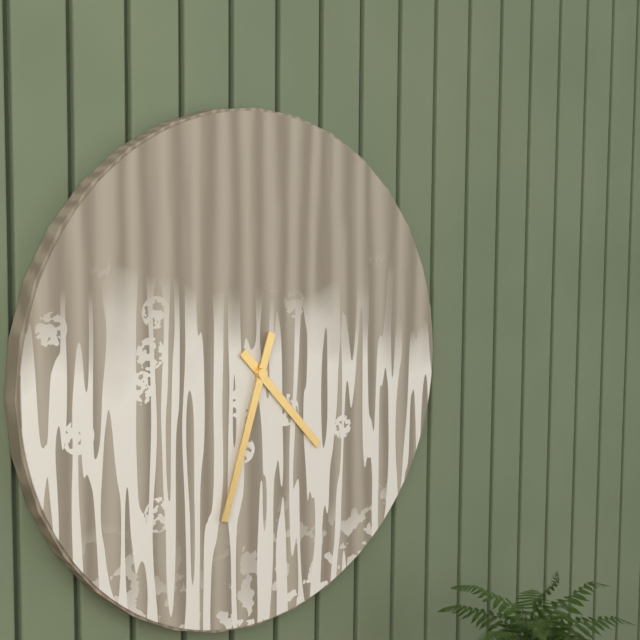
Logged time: **4:33**
